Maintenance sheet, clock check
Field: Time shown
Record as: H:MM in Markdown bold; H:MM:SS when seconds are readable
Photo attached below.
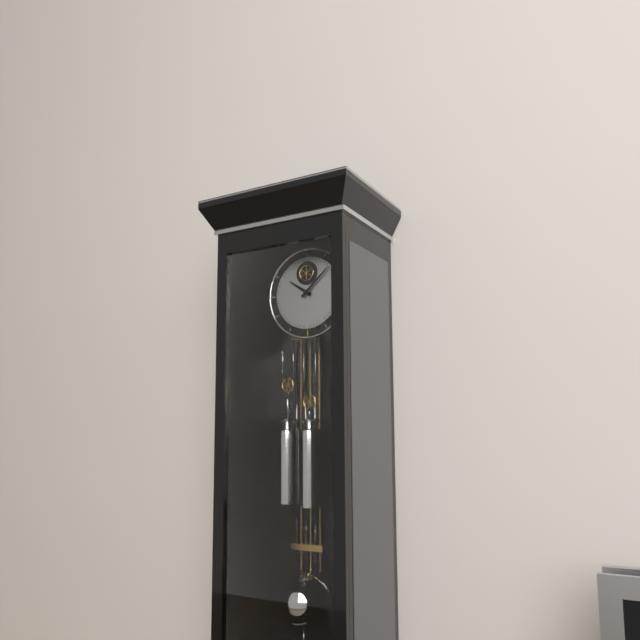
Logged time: **10:08**
